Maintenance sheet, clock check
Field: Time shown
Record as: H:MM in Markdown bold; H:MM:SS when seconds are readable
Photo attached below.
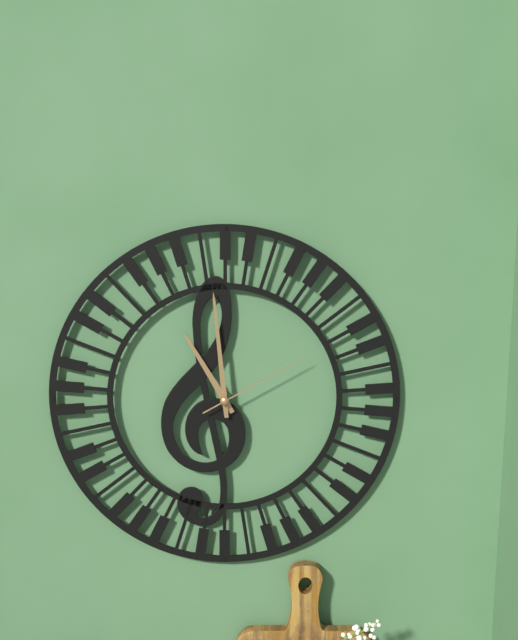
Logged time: **10:59:10**
